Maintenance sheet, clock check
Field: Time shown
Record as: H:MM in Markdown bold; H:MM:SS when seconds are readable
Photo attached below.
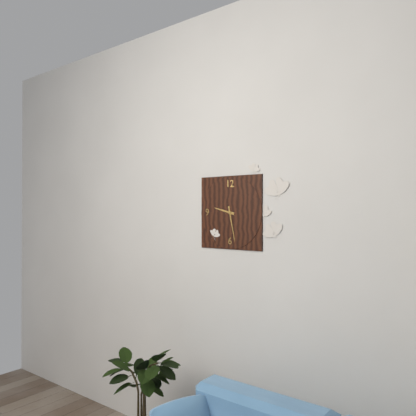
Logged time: **9:28**
